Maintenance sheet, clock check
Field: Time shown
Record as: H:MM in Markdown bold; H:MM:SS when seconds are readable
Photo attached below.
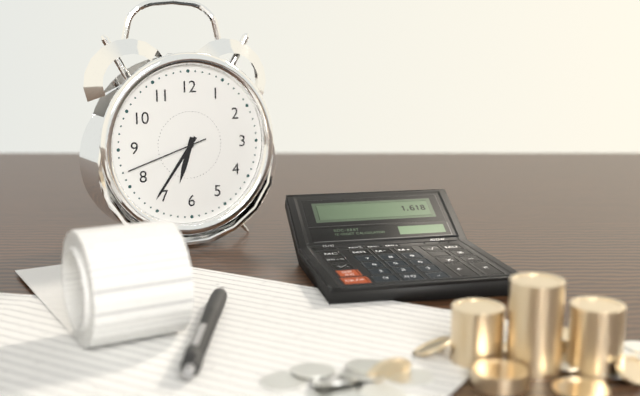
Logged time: **6:36:42**
